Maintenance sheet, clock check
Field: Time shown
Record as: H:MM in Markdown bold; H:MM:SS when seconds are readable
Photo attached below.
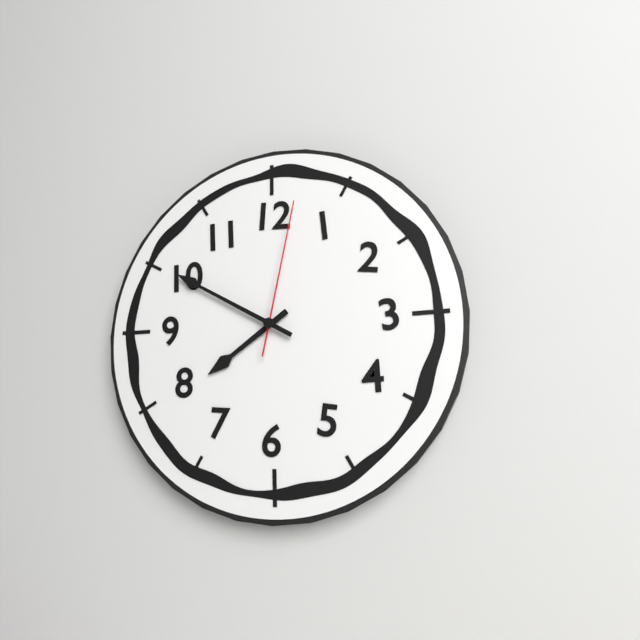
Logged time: **7:50:02**
